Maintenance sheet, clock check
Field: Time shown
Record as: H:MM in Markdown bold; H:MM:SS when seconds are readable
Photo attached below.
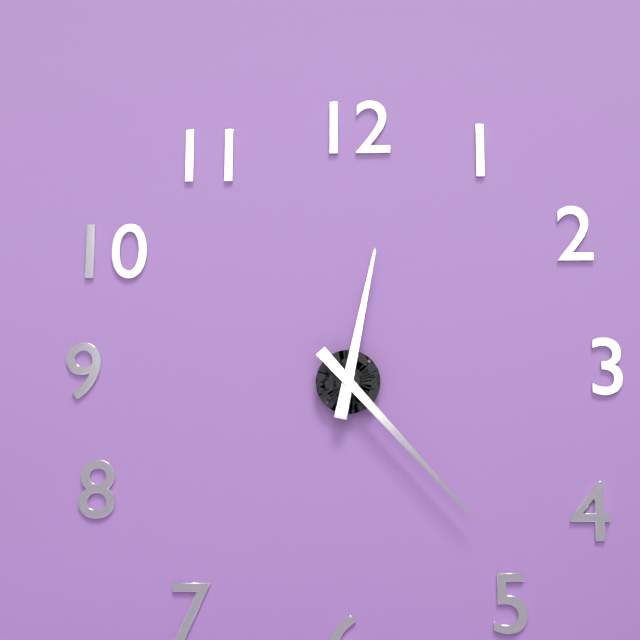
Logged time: **12:23**
